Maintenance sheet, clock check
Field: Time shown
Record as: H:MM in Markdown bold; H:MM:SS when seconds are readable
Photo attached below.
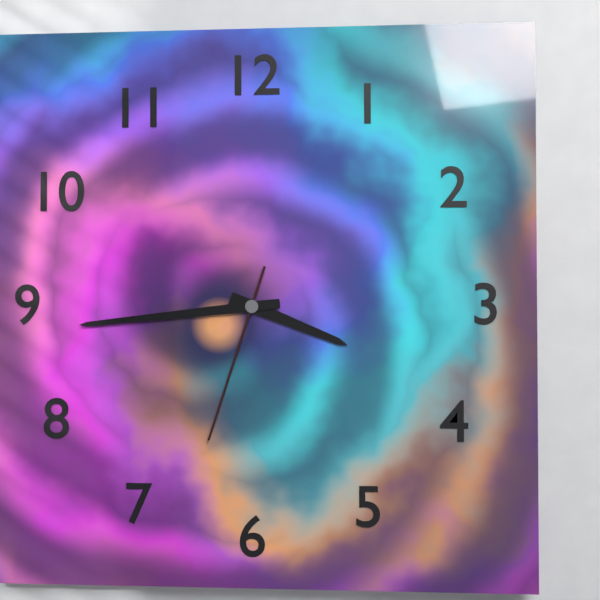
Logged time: **3:44:33**
